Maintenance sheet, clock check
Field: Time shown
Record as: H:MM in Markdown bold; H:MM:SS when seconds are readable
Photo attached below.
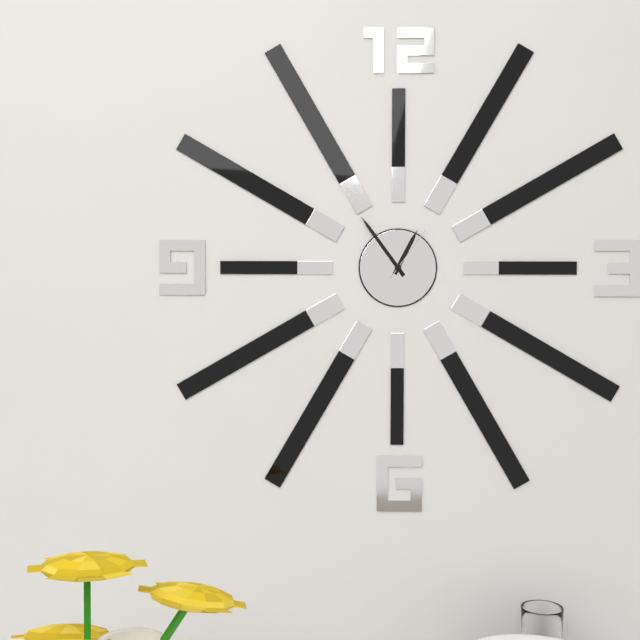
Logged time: **12:54:06**
